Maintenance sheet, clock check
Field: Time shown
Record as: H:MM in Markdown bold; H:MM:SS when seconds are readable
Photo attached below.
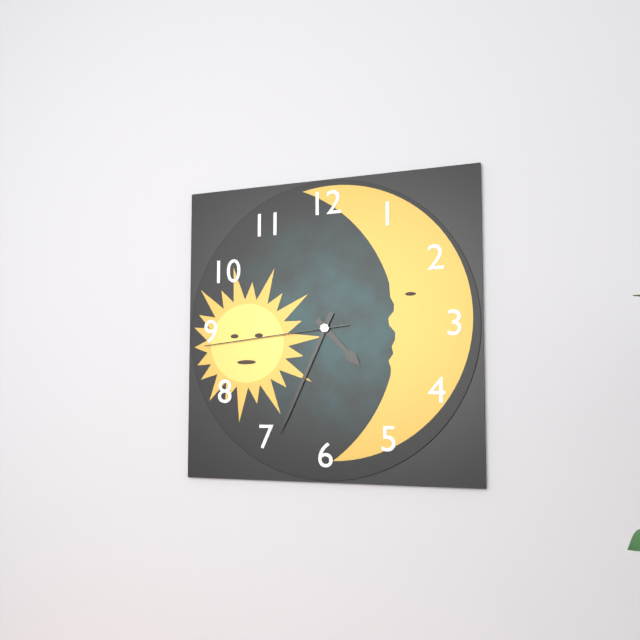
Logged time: **4:34:44**
